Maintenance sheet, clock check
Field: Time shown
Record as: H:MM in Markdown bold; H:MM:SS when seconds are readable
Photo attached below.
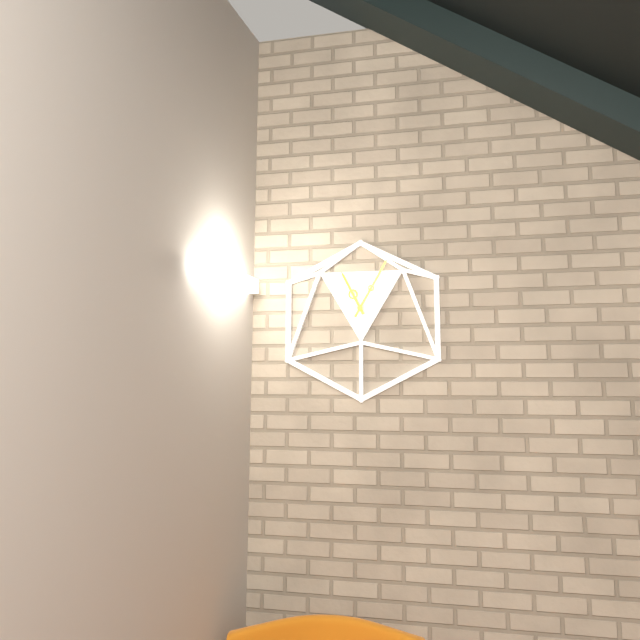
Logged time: **11:05**
